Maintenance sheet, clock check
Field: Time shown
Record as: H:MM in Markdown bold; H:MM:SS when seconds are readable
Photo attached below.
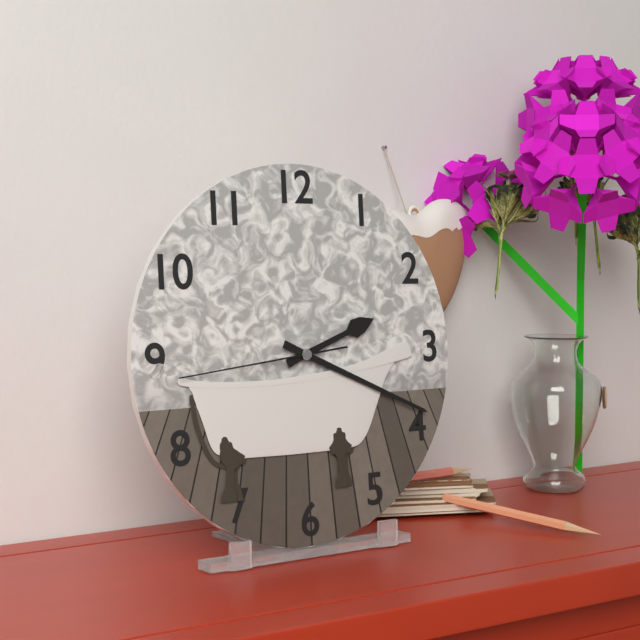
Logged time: **2:19:44**
